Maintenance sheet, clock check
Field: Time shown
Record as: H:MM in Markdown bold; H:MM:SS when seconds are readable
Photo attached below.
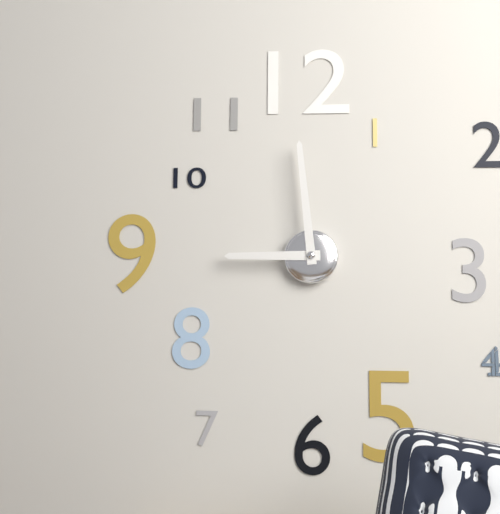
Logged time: **8:59**
